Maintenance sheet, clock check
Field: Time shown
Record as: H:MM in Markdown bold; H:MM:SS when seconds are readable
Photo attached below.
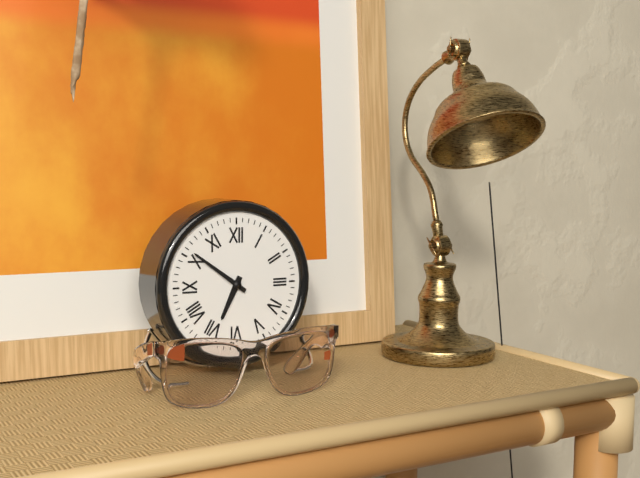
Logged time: **6:51**
